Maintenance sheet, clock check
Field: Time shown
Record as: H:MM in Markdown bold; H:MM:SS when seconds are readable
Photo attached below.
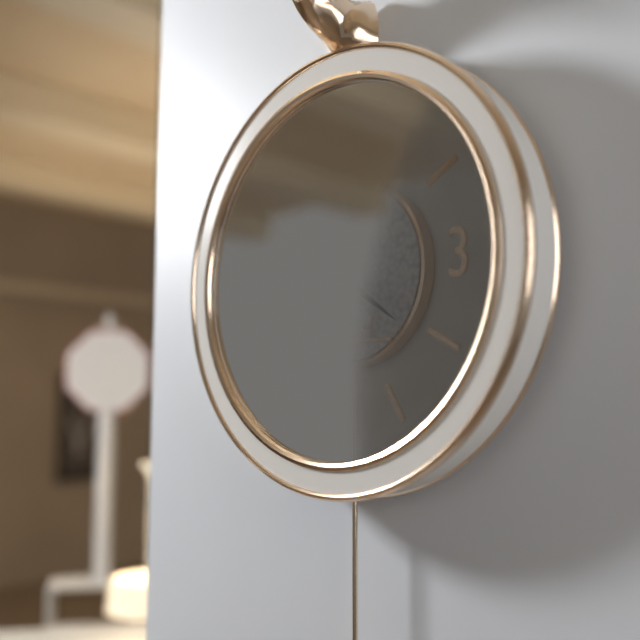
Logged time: **6:21**
